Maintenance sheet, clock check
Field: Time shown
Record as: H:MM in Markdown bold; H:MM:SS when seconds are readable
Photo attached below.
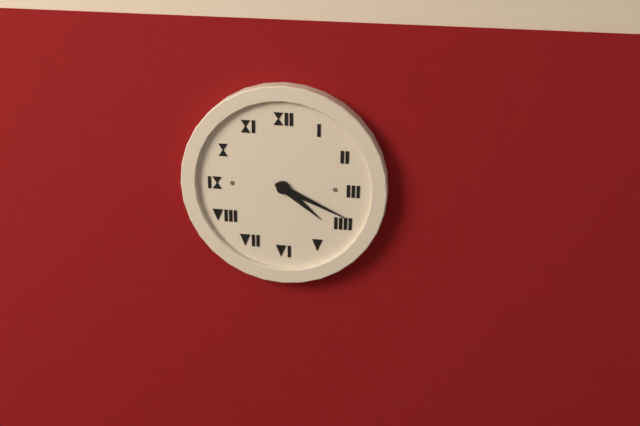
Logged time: **4:19**
